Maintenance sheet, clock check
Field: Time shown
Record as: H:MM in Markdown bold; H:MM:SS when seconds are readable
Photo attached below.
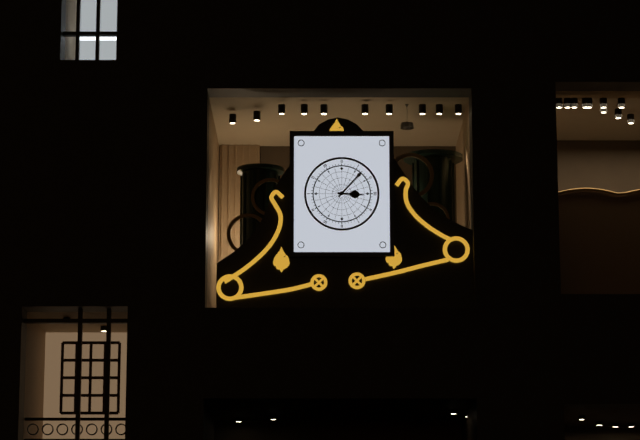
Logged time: **3:07**
